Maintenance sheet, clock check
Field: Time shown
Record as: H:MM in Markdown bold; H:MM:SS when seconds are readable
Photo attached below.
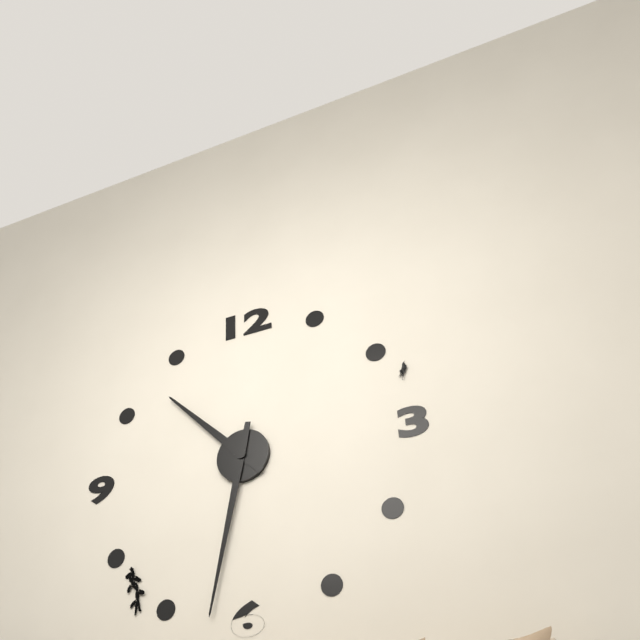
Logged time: **10:32**
